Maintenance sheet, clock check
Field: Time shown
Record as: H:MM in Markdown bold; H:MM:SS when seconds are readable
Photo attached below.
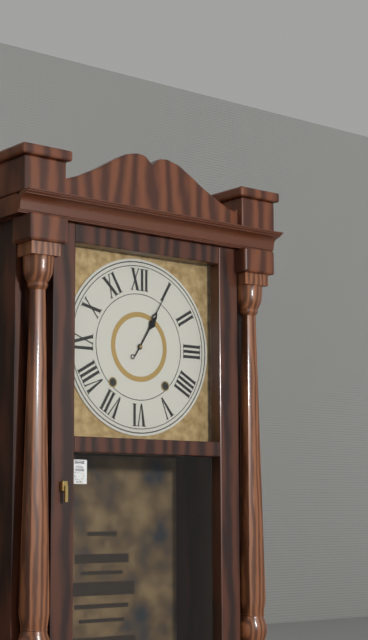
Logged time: **1:05**
